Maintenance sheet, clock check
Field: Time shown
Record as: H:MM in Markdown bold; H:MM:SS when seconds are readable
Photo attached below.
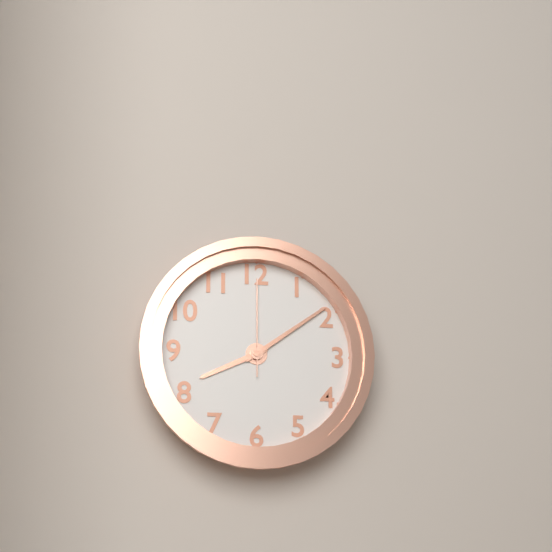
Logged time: **8:09:00**
